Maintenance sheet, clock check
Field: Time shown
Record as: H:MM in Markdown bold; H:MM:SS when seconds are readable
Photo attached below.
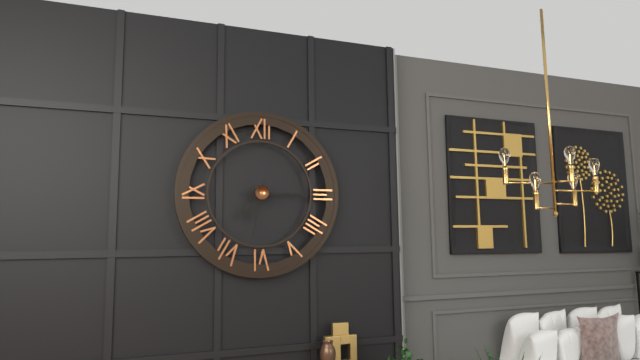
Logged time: **7:15:32**
